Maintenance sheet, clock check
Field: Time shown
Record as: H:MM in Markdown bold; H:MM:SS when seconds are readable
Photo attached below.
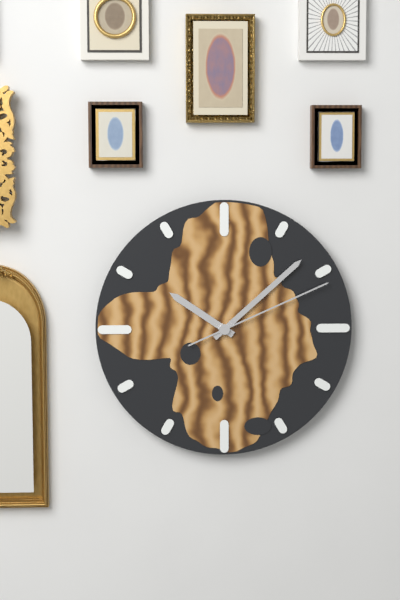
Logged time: **10:08:11**
